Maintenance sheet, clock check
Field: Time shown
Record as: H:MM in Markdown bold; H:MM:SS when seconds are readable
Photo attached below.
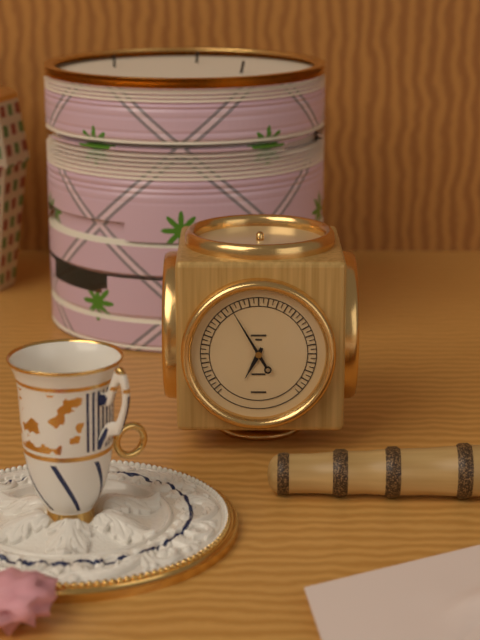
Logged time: **6:55**
